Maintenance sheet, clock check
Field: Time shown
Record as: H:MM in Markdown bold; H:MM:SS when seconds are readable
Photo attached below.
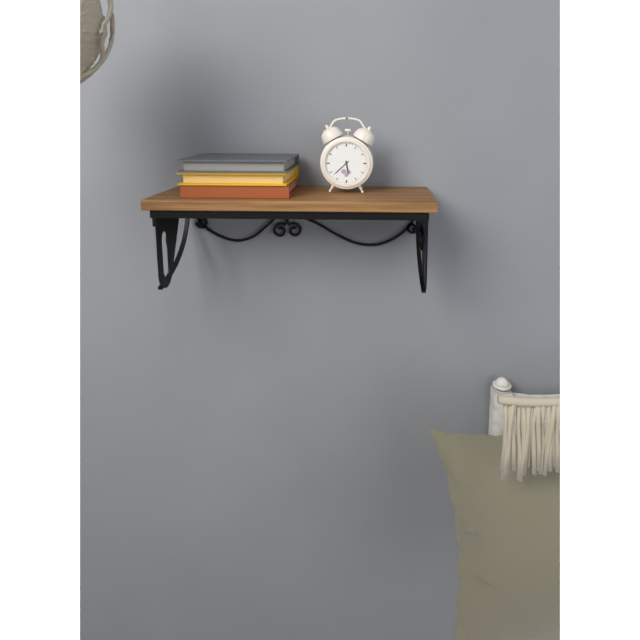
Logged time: **5:38**
